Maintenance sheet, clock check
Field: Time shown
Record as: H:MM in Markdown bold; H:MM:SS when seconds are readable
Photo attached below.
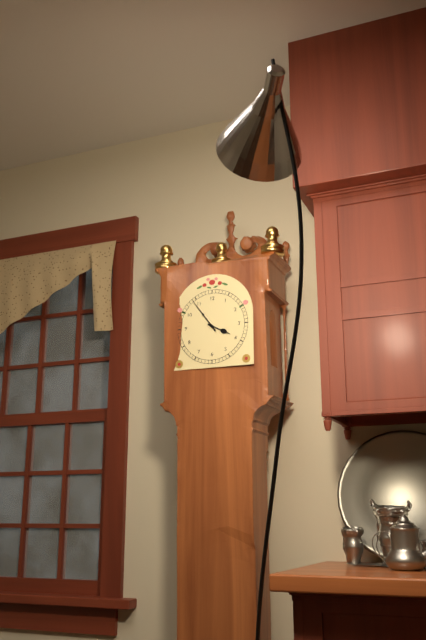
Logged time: **3:54**
